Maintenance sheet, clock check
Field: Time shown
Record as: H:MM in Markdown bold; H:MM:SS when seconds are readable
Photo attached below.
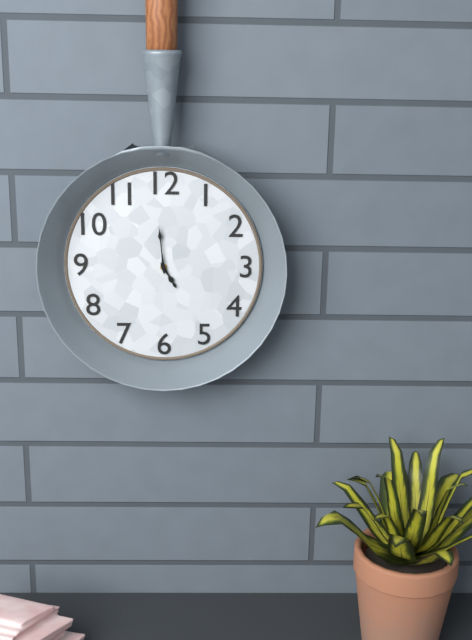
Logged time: **4:59**
